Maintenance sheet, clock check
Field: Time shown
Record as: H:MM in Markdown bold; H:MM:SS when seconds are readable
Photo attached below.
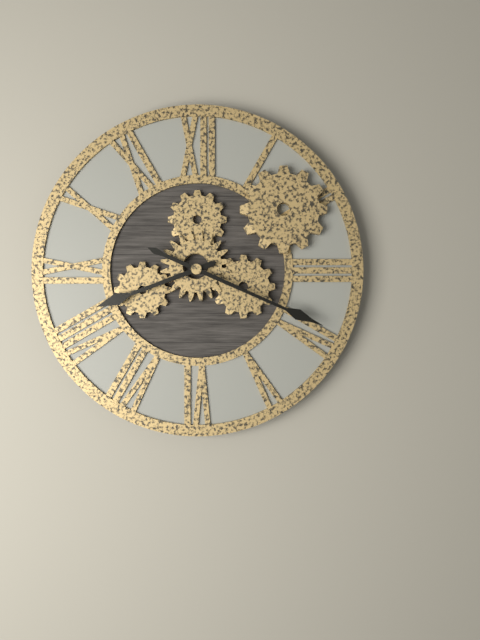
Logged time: **8:19**
